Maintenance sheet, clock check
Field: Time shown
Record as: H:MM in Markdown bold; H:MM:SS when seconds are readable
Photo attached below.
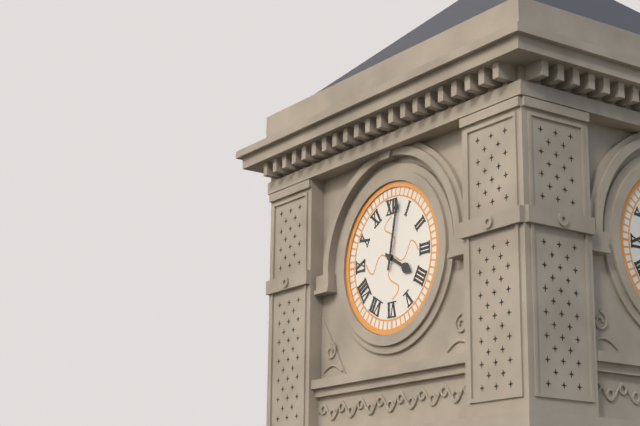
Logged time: **4:02**
